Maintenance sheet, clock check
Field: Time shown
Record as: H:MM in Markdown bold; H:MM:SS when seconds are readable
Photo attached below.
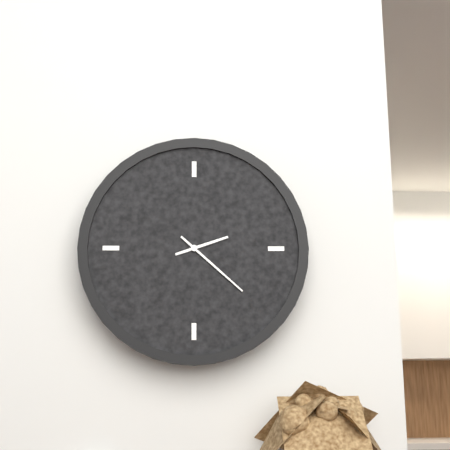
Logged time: **2:22**
